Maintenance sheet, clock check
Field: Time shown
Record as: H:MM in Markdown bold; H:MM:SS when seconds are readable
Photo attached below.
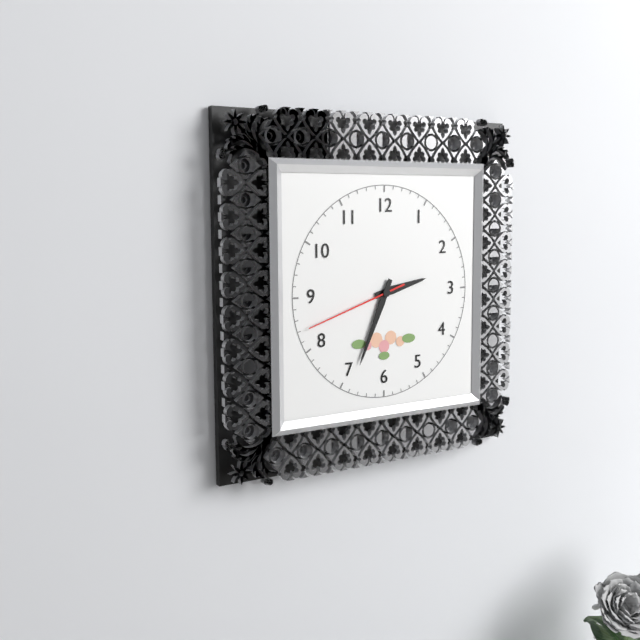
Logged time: **2:34:42**
